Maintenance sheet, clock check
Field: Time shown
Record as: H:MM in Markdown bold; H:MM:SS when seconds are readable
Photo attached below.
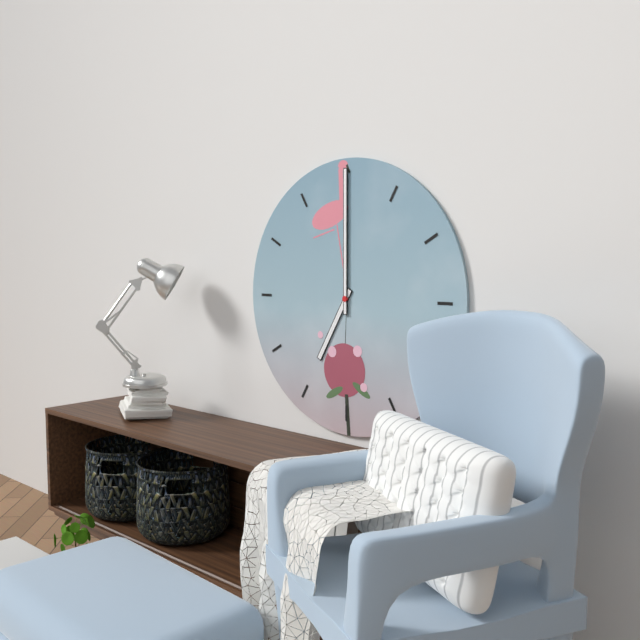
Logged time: **7:00**
